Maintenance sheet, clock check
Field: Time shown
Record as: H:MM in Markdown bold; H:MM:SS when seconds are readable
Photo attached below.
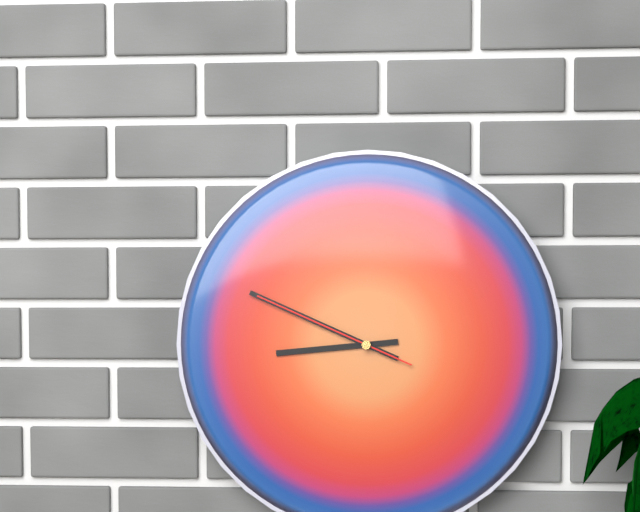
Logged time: **8:49:49**
